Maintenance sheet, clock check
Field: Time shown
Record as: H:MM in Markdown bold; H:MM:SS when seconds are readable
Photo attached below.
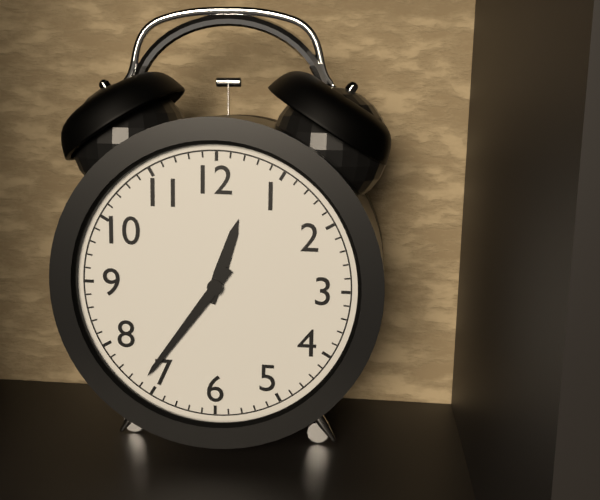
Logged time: **12:36**
